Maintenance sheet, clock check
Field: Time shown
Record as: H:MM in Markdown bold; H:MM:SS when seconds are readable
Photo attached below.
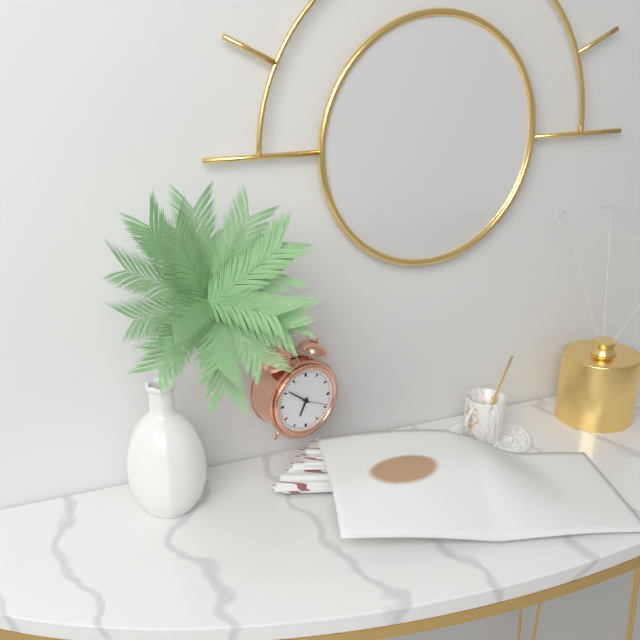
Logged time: **6:51**
